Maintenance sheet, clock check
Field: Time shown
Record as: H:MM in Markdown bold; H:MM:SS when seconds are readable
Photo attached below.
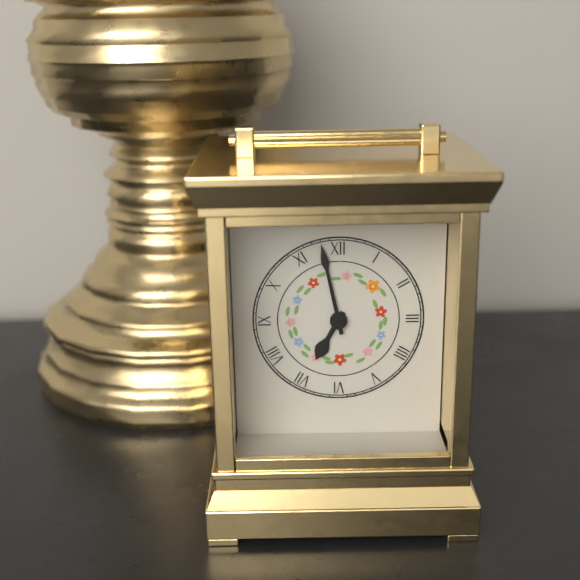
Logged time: **6:58**
